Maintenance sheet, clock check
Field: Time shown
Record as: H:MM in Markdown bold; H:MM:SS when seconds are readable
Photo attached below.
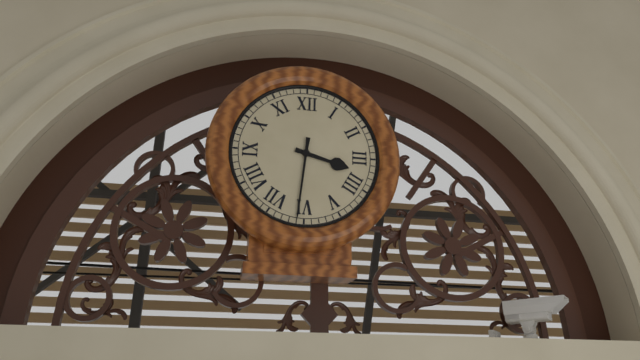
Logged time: **3:31**
